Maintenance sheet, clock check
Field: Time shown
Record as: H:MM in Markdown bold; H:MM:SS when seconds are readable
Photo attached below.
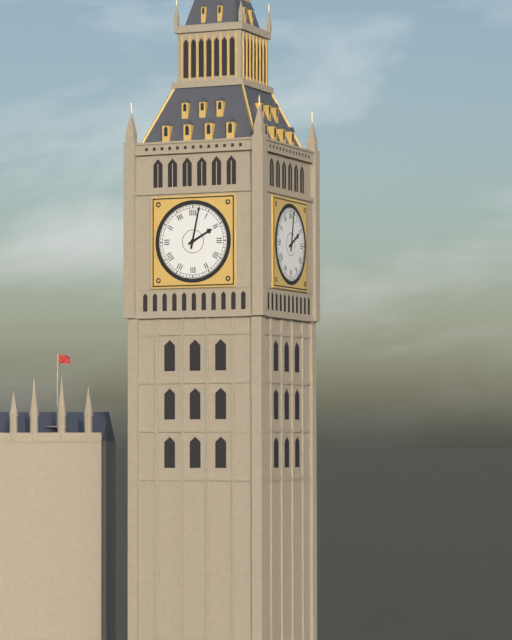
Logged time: **2:02**
